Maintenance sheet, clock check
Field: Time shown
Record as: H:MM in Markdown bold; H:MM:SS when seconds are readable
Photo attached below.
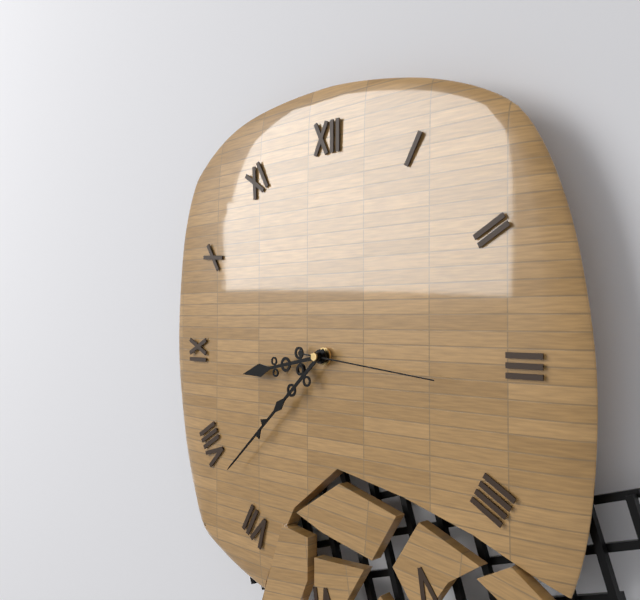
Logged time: **8:38:16**
